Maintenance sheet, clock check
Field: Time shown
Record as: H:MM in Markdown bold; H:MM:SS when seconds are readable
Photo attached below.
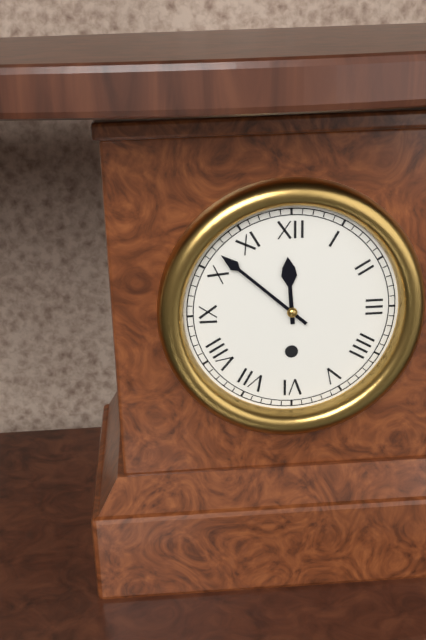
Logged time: **11:52**
